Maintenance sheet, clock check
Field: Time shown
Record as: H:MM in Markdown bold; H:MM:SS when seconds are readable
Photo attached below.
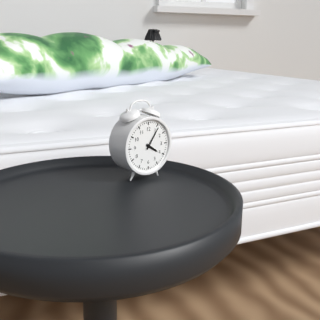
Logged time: **4:06**
